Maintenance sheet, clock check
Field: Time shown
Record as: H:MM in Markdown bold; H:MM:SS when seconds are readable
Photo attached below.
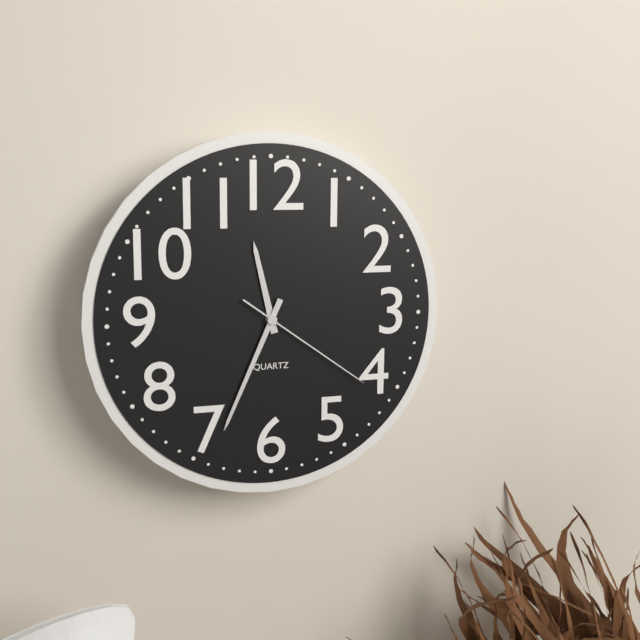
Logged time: **11:34:21**
